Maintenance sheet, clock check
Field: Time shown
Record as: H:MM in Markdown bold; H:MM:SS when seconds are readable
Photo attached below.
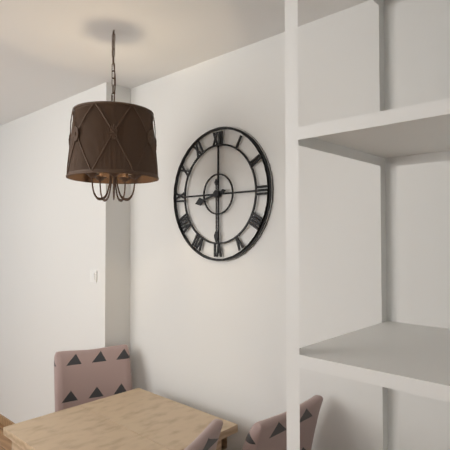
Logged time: **8:30**
